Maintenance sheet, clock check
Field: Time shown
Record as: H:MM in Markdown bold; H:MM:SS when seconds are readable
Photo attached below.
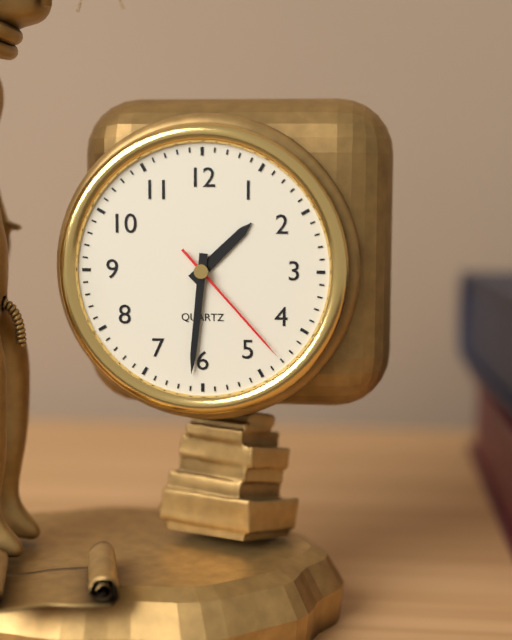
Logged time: **1:31:23**
